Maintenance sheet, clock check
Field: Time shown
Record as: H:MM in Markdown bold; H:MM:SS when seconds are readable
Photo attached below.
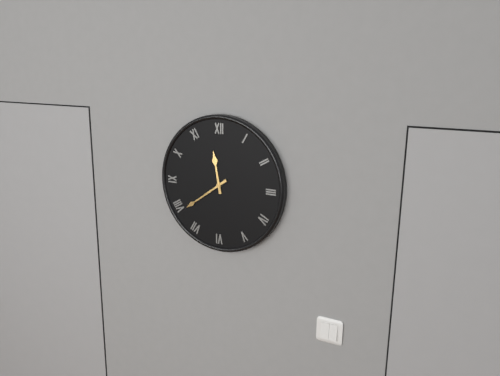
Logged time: **11:39**
